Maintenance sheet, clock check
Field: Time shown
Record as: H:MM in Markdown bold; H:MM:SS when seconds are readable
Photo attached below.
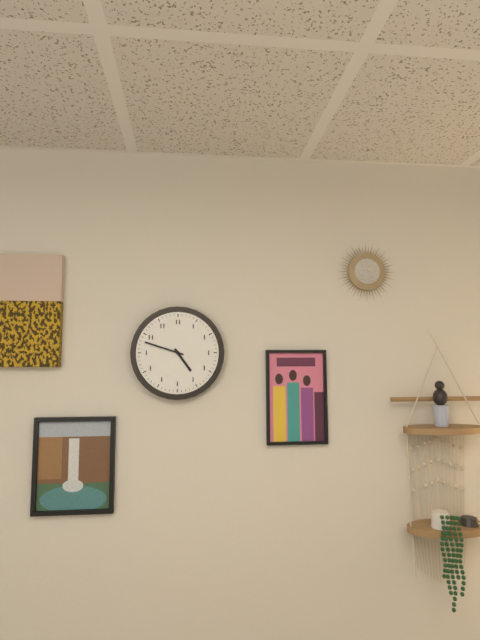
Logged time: **4:48**
